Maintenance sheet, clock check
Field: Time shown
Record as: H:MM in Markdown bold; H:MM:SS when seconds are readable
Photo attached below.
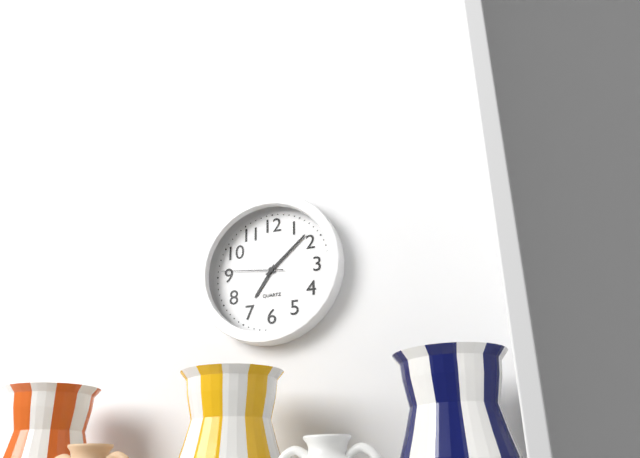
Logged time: **7:08:46**
